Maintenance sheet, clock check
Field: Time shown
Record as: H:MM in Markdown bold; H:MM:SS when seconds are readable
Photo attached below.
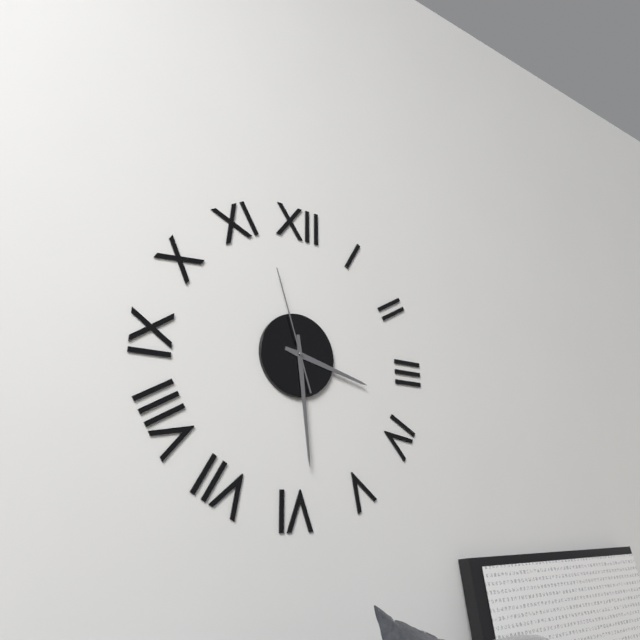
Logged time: **3:29:57**
